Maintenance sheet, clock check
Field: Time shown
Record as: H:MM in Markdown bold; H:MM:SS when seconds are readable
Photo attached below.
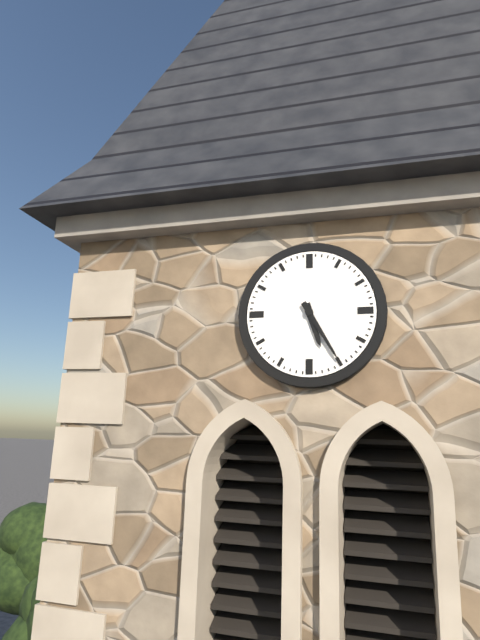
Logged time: **5:25**
